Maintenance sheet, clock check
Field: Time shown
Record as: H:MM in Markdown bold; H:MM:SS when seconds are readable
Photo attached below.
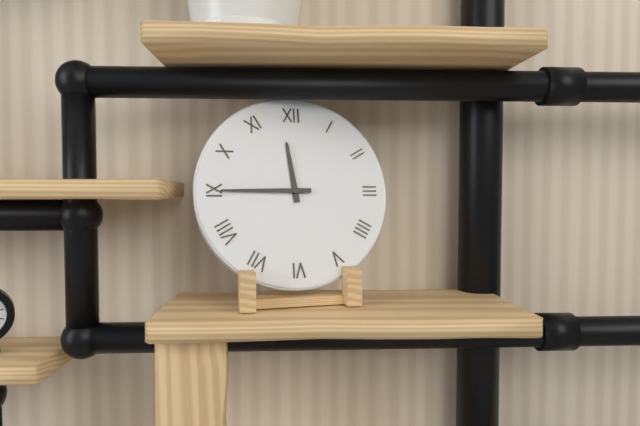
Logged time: **11:45**
